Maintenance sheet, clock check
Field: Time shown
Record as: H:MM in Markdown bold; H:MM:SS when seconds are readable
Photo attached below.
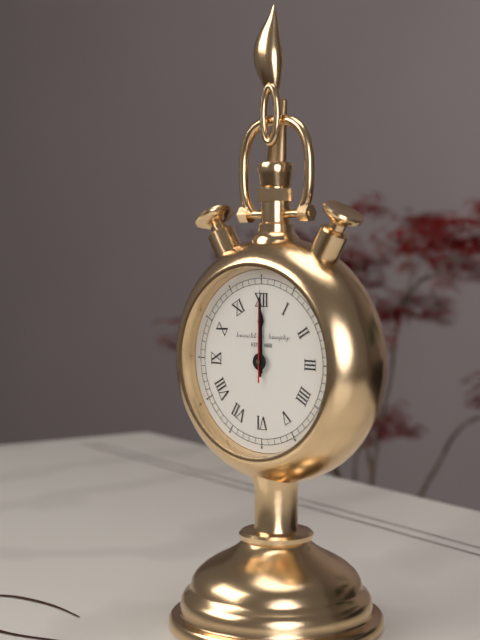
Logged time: **12:00:00**
